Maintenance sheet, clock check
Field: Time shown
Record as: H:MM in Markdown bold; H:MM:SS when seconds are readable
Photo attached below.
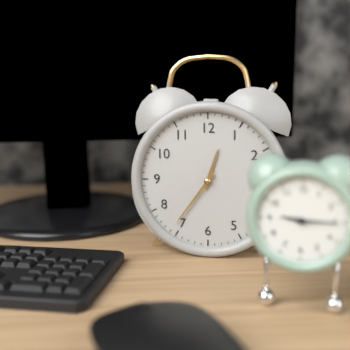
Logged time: **12:36**
